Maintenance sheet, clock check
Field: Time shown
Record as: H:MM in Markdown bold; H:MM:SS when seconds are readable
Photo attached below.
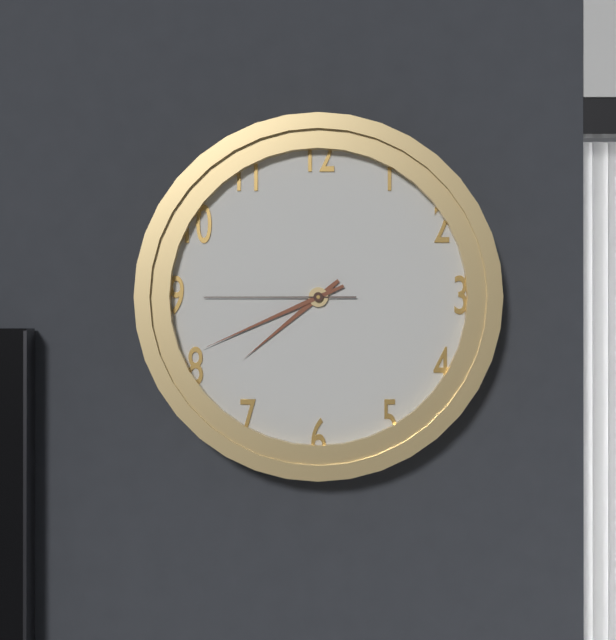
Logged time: **7:41:45**
